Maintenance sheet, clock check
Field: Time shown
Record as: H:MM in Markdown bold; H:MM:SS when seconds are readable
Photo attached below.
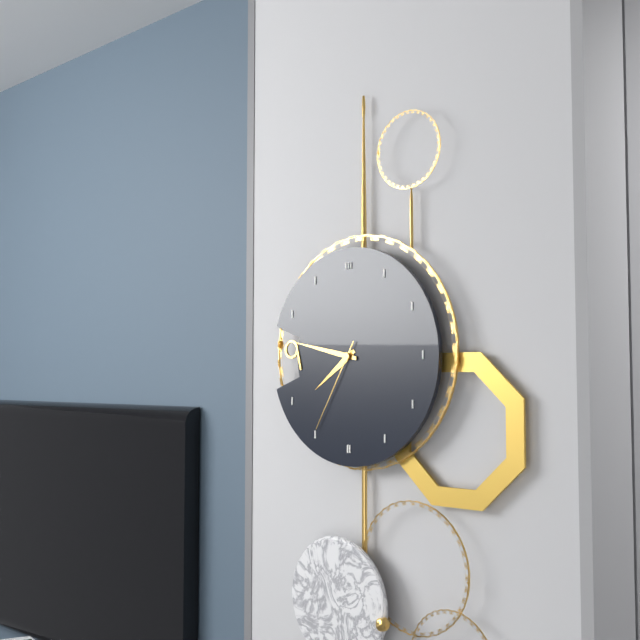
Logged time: **7:47:35**
